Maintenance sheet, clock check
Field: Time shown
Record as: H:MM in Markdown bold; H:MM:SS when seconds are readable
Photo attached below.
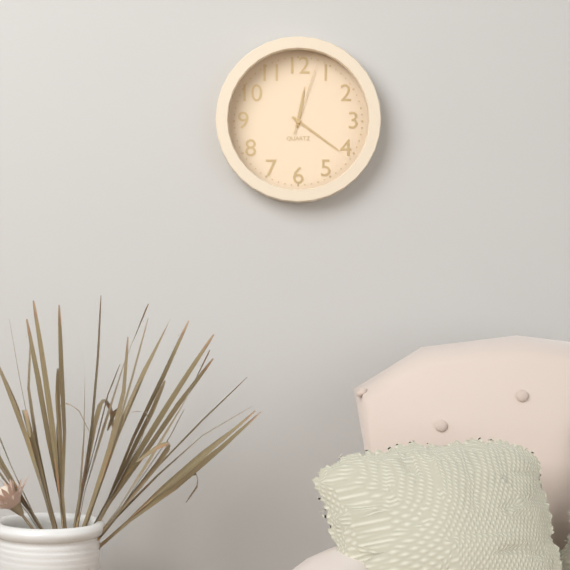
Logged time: **12:21:03**
